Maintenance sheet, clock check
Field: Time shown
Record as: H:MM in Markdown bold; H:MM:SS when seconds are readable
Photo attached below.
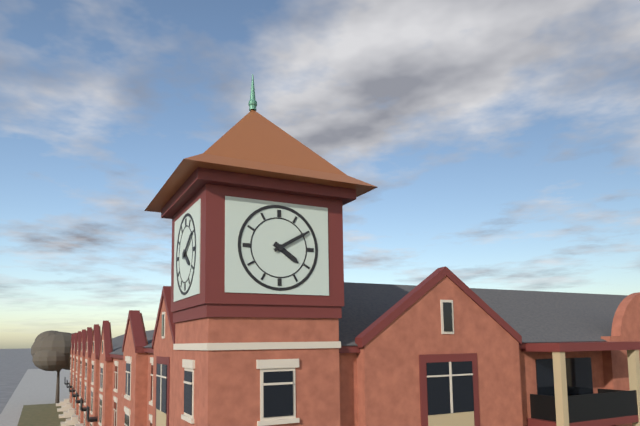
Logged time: **4:10**
